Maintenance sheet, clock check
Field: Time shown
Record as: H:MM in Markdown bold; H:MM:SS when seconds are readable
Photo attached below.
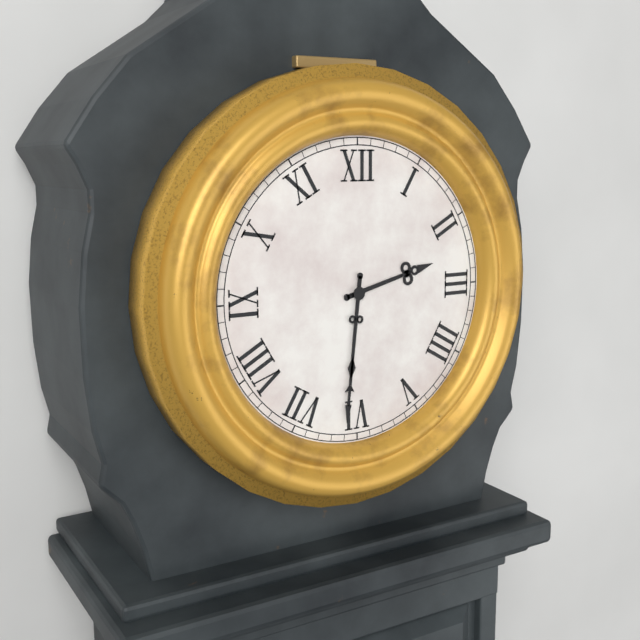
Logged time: **2:31**
